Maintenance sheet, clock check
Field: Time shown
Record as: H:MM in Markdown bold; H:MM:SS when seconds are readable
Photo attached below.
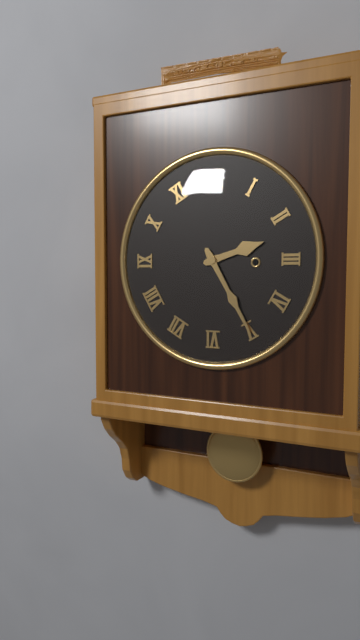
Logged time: **2:25**
